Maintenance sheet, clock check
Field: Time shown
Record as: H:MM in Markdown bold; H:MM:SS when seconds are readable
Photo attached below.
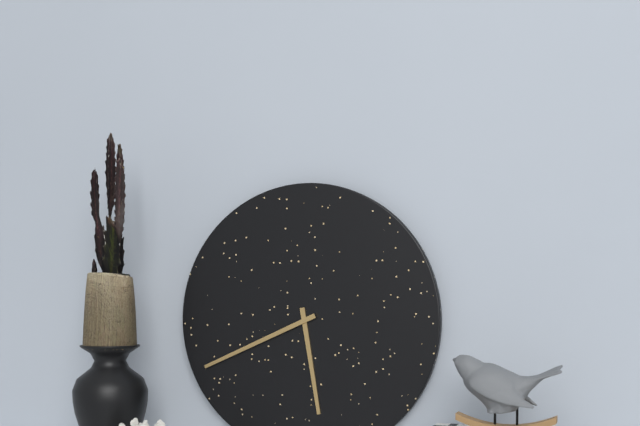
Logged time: **5:41**
